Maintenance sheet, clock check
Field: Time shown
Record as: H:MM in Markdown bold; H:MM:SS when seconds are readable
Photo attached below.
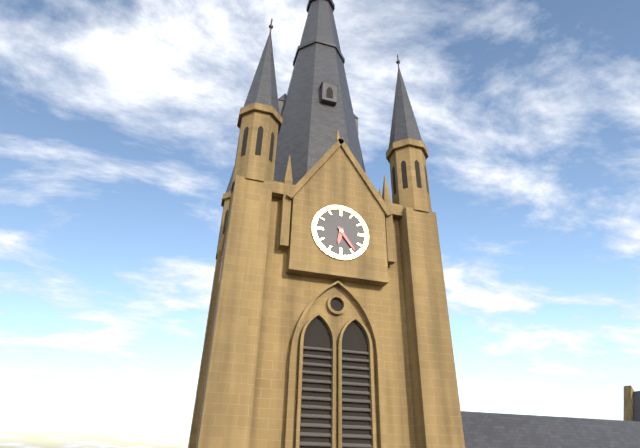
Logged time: **6:24**
